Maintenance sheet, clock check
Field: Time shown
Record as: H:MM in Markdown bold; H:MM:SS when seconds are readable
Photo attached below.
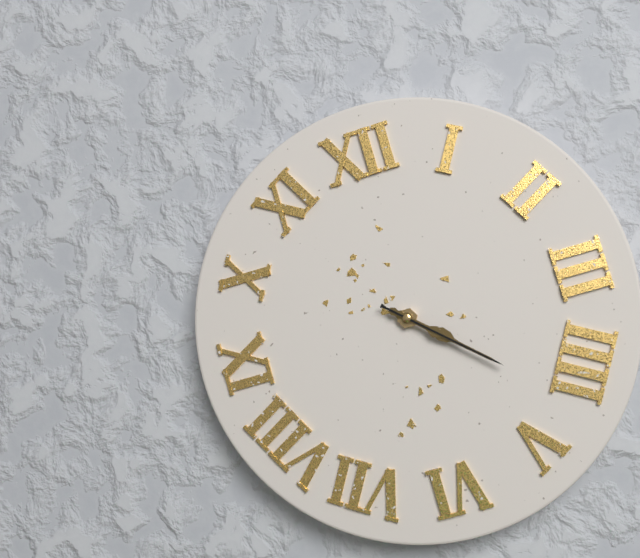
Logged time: **4:22:22**
